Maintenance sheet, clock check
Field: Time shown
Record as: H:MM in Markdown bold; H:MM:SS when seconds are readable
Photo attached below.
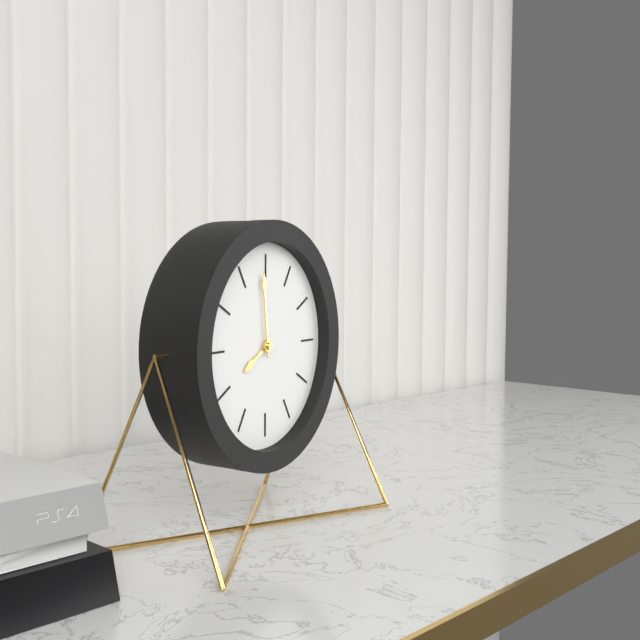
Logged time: **7:59**
